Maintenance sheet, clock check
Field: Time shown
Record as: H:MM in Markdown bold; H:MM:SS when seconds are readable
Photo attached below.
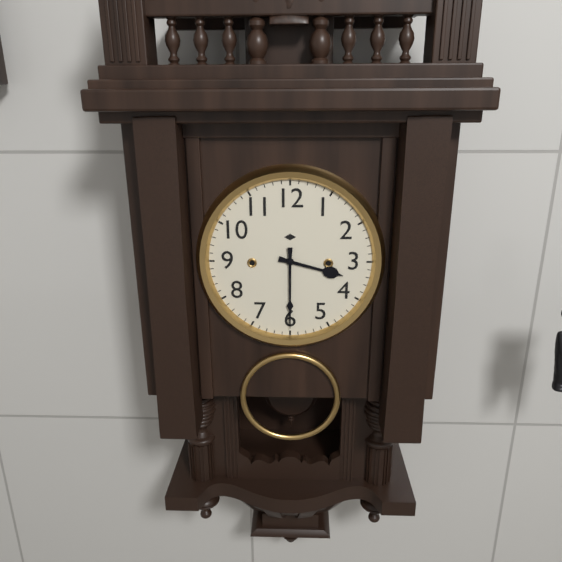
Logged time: **3:30**
